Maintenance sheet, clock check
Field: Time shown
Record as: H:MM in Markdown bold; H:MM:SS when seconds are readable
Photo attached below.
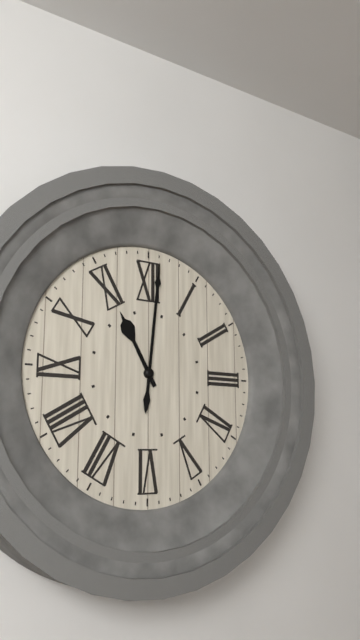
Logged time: **11:01**
